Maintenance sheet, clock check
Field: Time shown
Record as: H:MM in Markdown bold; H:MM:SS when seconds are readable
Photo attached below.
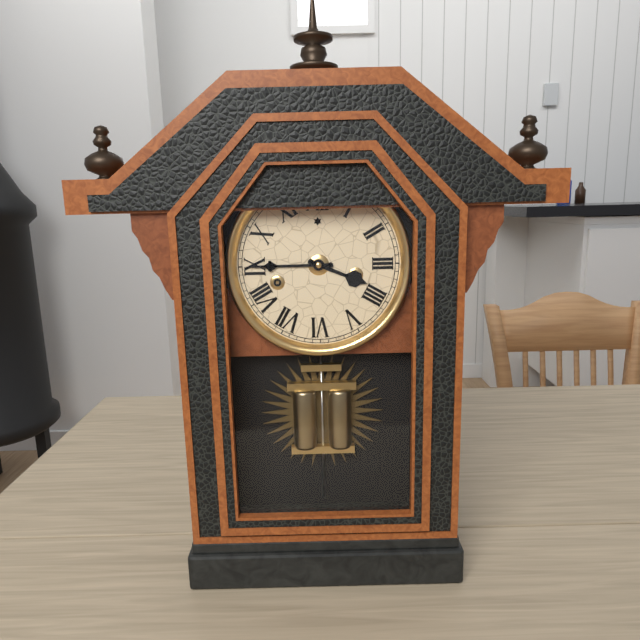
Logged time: **3:45**
